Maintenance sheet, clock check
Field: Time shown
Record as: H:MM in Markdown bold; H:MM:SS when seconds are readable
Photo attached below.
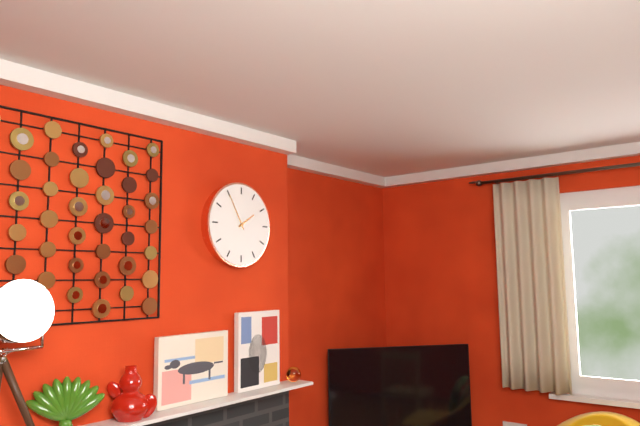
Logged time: **1:55**
